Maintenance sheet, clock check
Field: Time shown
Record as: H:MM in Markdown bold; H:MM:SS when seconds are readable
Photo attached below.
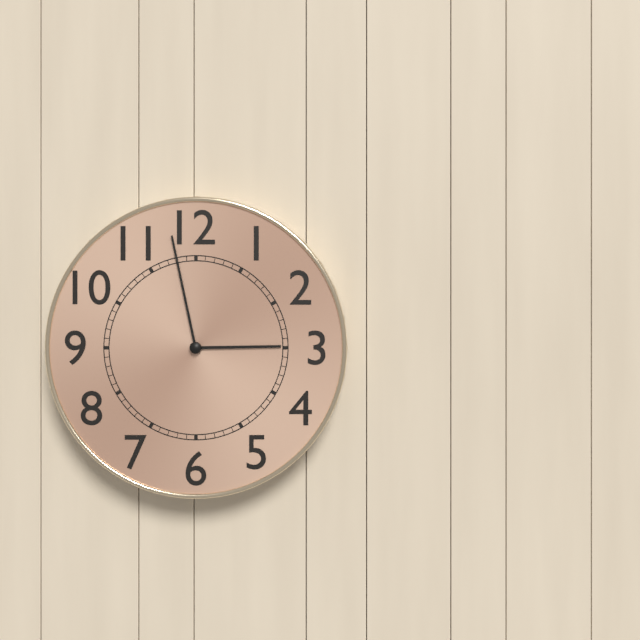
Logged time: **2:58**
